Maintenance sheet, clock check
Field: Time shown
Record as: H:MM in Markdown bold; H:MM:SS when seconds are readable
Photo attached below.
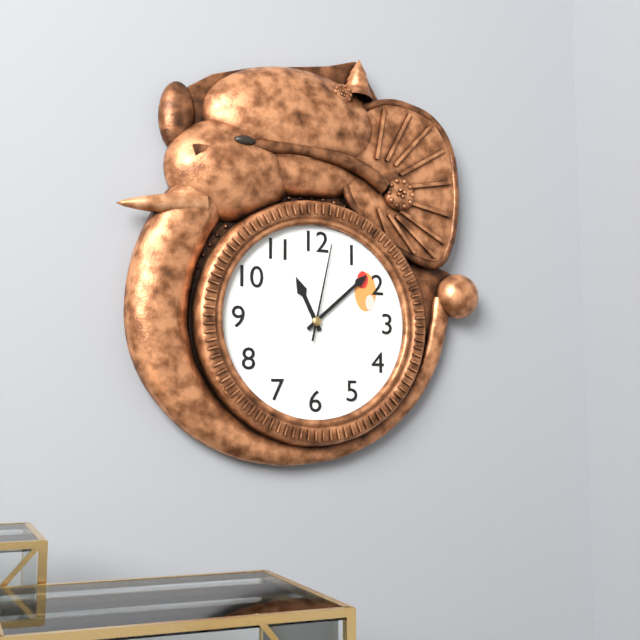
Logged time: **11:08:02**
